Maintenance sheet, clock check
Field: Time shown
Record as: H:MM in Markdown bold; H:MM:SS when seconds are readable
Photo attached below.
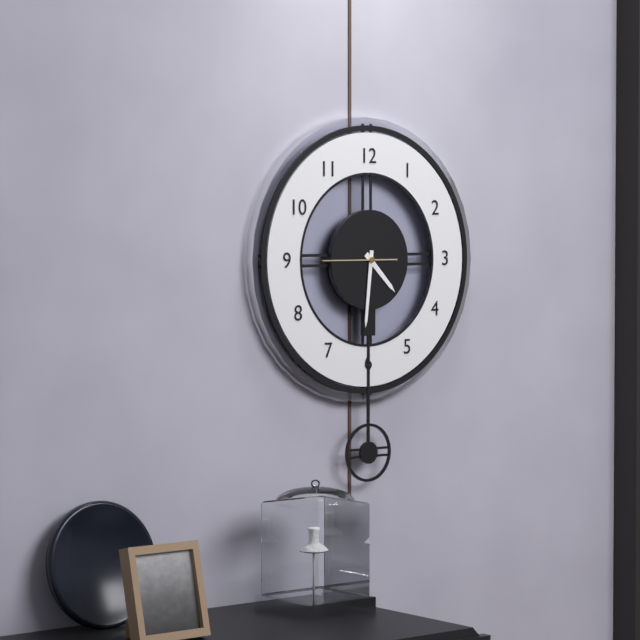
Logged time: **4:31**
